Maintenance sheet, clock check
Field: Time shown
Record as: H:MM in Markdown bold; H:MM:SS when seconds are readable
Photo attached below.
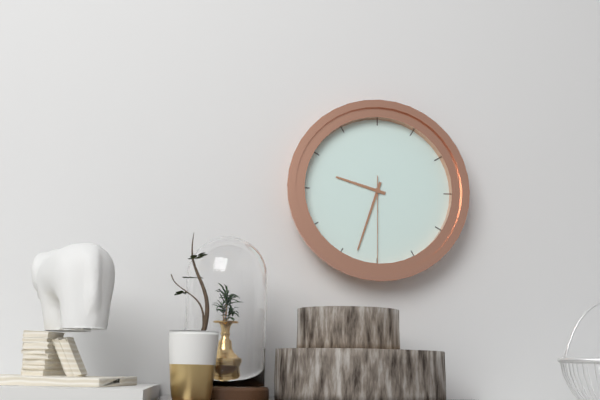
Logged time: **9:33:30**
